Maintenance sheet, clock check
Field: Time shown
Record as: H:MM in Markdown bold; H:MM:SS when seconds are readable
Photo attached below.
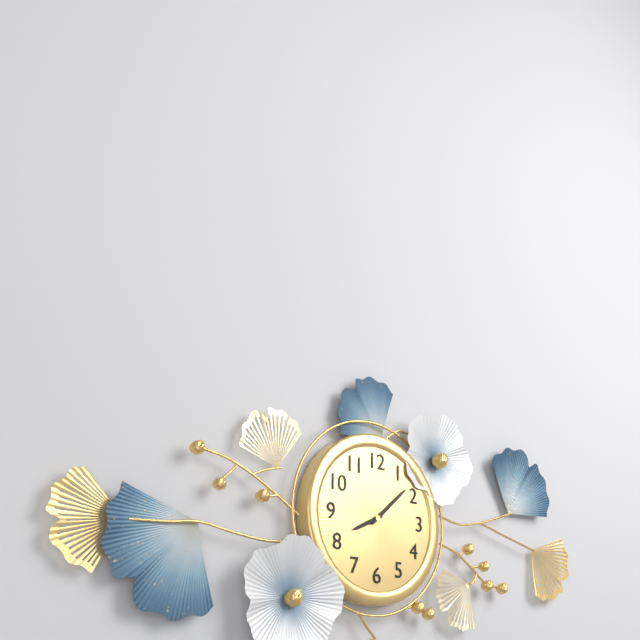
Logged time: **8:08**
